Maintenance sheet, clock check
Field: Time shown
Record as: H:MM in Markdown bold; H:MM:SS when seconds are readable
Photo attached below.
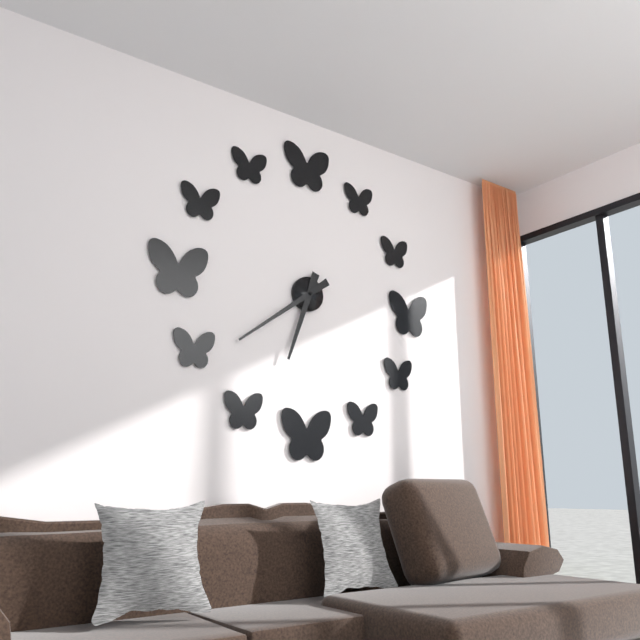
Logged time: **6:39**
